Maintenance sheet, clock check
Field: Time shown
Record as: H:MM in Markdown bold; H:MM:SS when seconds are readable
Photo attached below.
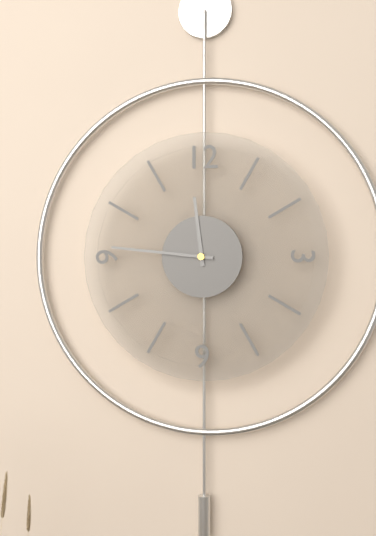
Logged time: **11:46**
